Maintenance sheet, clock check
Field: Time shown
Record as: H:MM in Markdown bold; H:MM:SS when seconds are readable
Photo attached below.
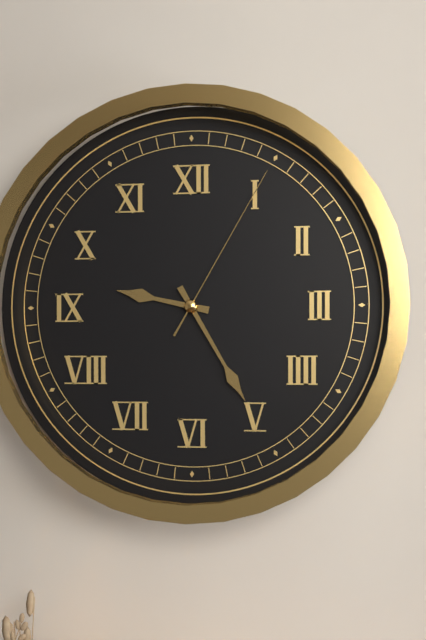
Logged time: **9:25:05**
